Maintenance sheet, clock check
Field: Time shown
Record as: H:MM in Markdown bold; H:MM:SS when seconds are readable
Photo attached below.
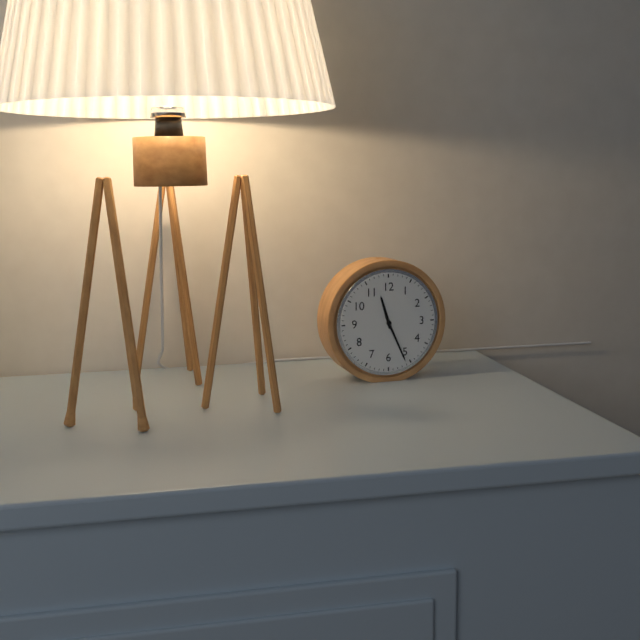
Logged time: **11:26**
